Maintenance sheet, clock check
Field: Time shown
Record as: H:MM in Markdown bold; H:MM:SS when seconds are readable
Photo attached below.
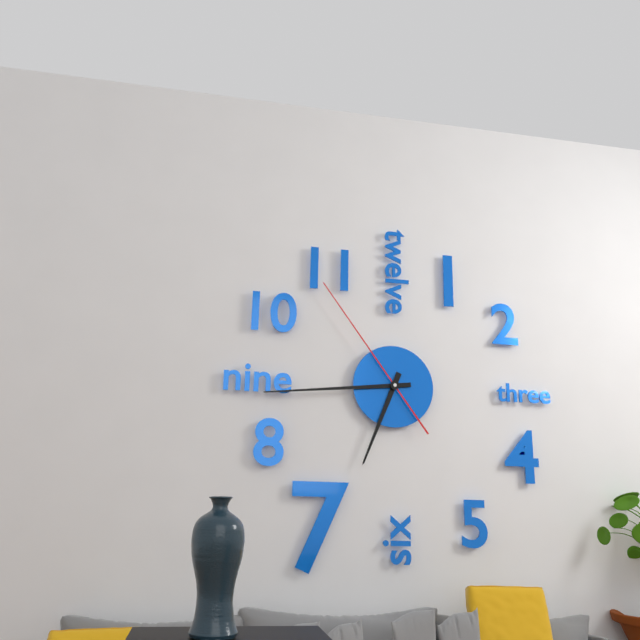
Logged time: **6:44:54**
